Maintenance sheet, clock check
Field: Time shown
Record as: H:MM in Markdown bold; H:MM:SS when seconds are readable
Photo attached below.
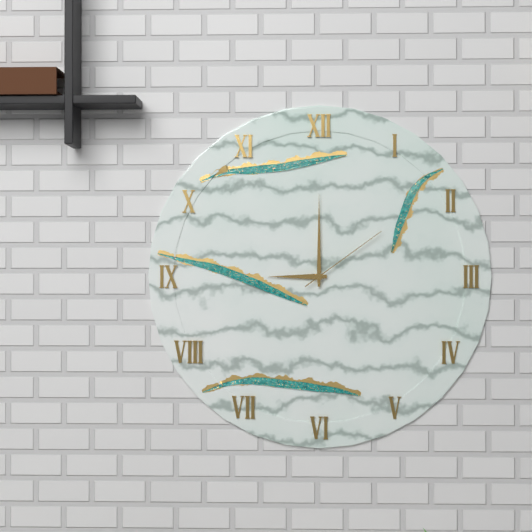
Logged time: **9:00:09**
